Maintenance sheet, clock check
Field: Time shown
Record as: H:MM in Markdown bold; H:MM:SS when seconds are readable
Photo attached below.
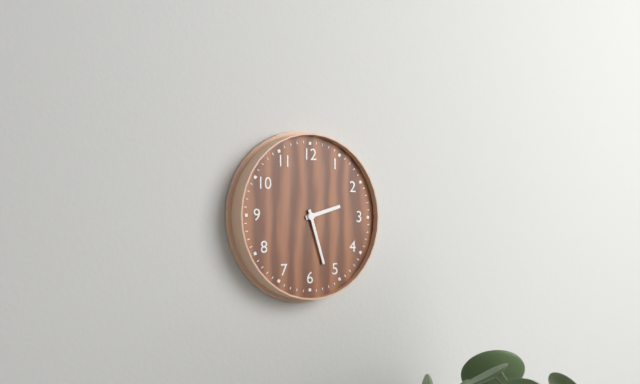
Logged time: **2:27**
